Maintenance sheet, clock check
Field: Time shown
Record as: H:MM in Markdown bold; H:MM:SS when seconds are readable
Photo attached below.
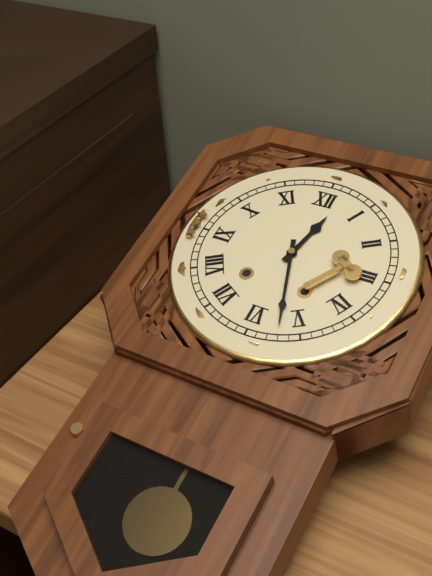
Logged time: **12:27**
